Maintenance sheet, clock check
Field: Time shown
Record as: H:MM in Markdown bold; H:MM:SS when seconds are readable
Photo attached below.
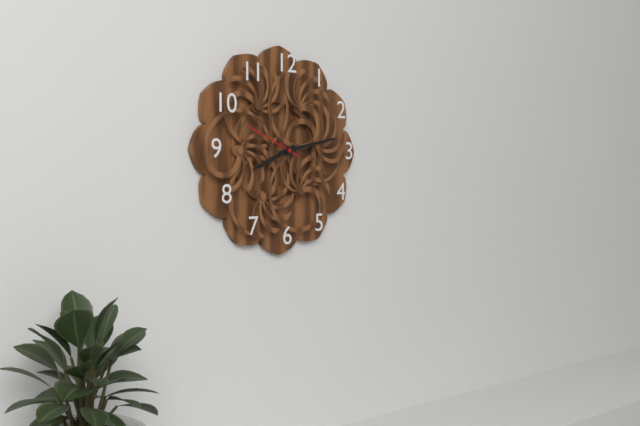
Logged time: **8:13:49**
